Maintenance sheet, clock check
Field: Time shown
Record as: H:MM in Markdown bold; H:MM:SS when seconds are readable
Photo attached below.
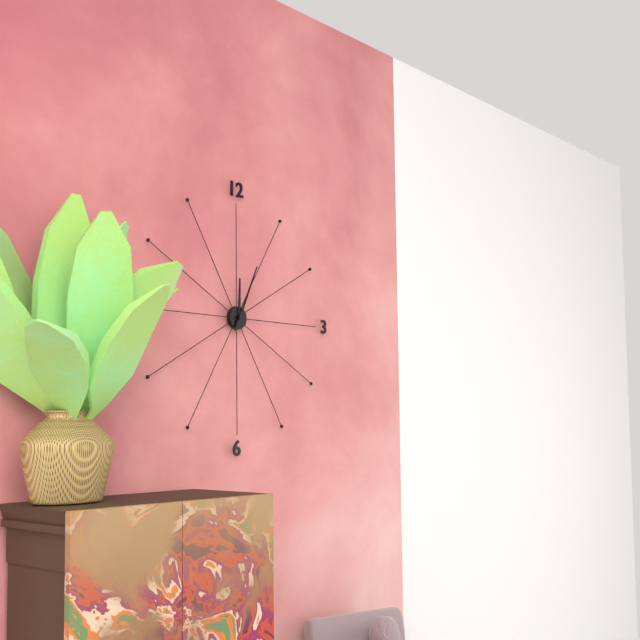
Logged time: **12:04**
